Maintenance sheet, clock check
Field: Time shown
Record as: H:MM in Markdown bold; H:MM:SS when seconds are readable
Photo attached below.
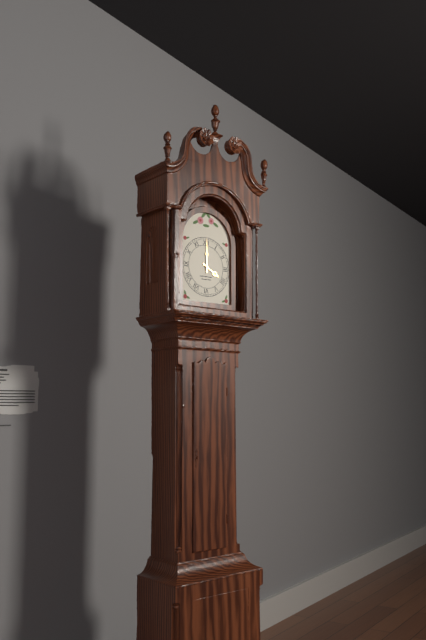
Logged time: **4:00**
